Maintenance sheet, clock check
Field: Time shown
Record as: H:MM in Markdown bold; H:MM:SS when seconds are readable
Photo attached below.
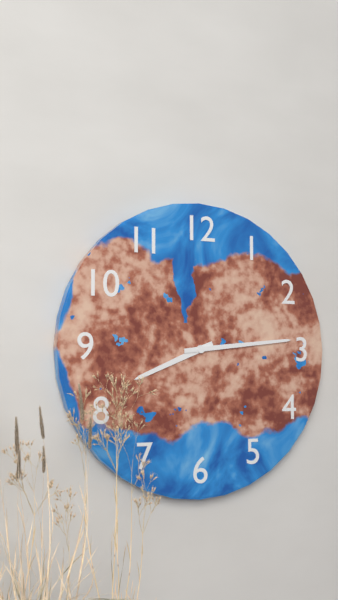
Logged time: **8:14**
